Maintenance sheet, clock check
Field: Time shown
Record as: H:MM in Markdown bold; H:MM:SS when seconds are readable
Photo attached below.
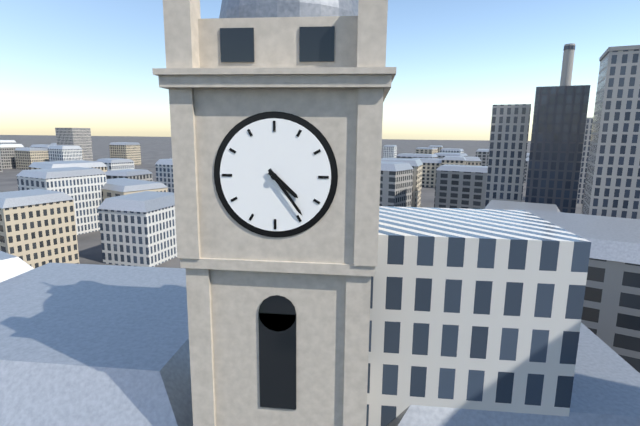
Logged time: **4:24**
